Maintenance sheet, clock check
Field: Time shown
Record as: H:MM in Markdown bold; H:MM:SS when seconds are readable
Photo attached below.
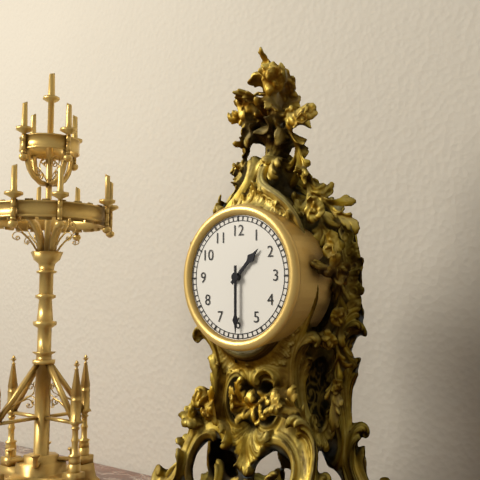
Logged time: **1:30**
